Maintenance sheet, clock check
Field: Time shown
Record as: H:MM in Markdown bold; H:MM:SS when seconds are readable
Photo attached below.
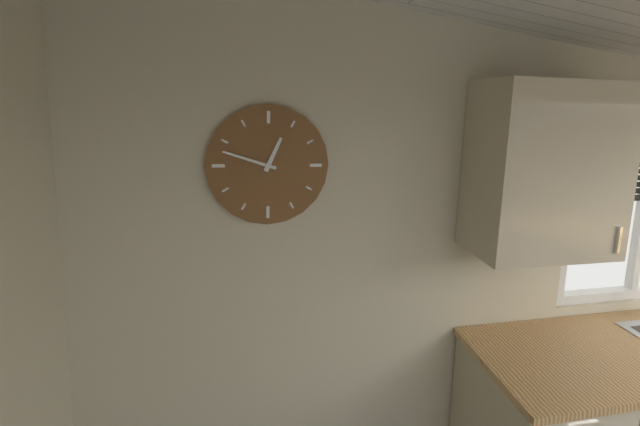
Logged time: **12:48**
